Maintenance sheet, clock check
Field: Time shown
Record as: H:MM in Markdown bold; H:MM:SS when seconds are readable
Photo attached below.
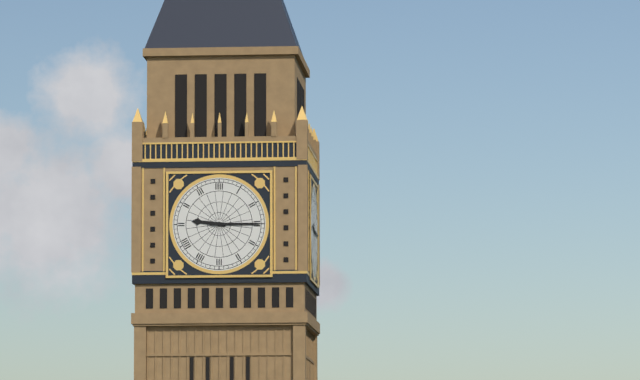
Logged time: **9:15**
